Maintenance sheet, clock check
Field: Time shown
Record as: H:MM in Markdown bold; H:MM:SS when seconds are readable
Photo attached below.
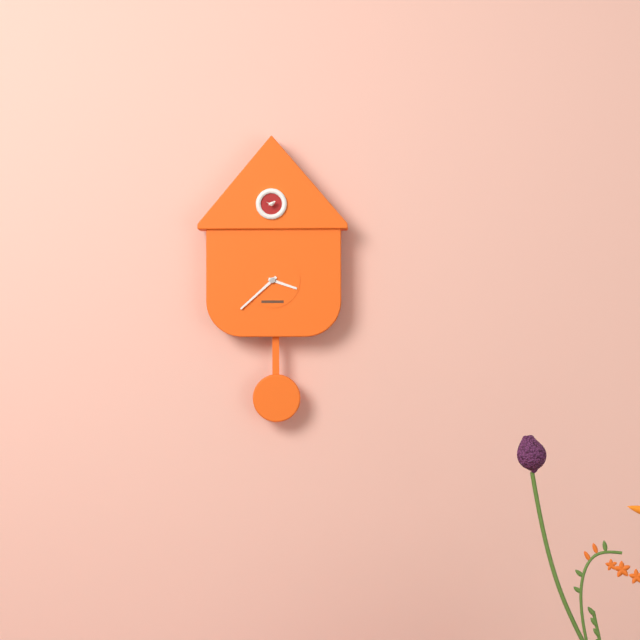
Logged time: **3:38**
